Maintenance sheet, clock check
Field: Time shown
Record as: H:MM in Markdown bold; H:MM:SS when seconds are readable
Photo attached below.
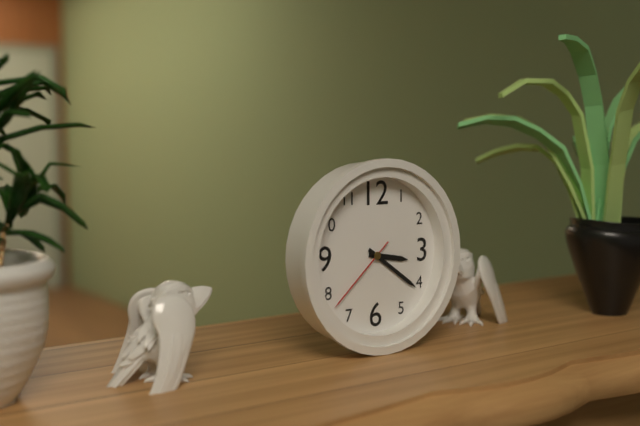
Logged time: **3:21:38**
